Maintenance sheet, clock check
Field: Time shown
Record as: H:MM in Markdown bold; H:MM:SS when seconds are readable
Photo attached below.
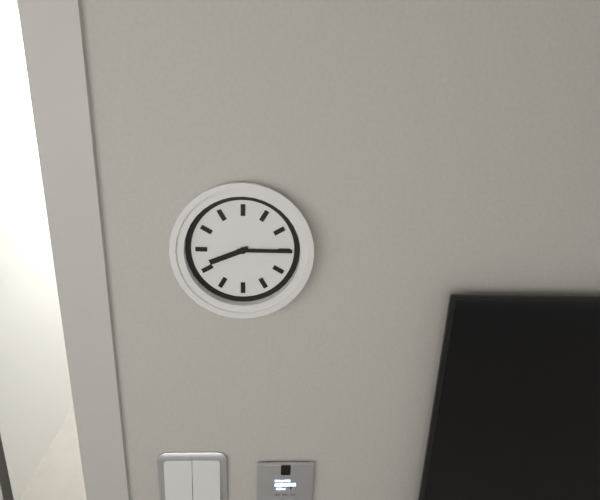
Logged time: **8:15**
